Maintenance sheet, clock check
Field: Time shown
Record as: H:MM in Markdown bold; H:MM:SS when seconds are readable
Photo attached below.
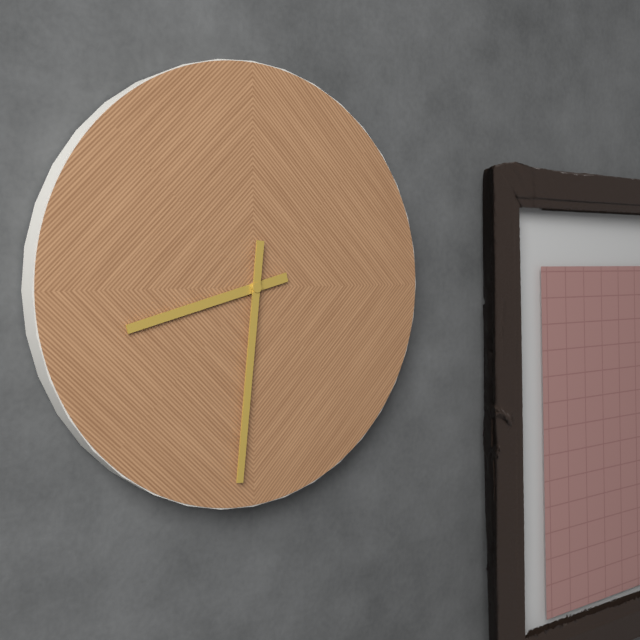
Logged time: **8:31**
